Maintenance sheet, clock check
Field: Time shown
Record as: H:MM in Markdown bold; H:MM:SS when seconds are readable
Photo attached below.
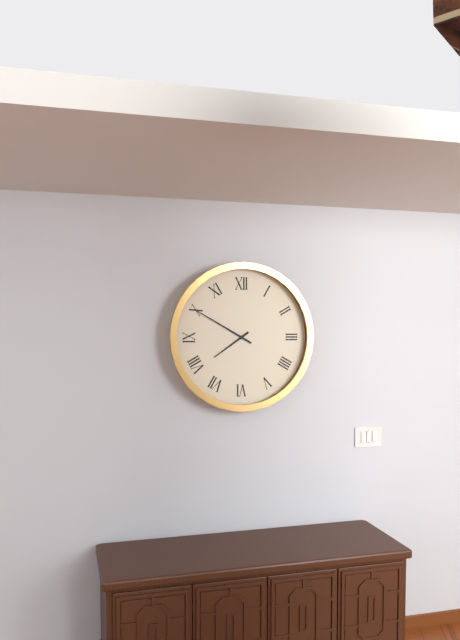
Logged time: **7:50**
